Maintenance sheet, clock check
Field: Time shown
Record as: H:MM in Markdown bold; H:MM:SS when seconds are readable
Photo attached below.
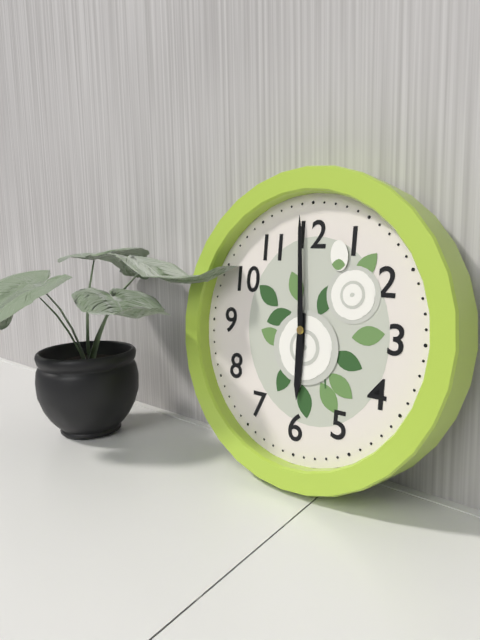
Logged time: **5:59**
